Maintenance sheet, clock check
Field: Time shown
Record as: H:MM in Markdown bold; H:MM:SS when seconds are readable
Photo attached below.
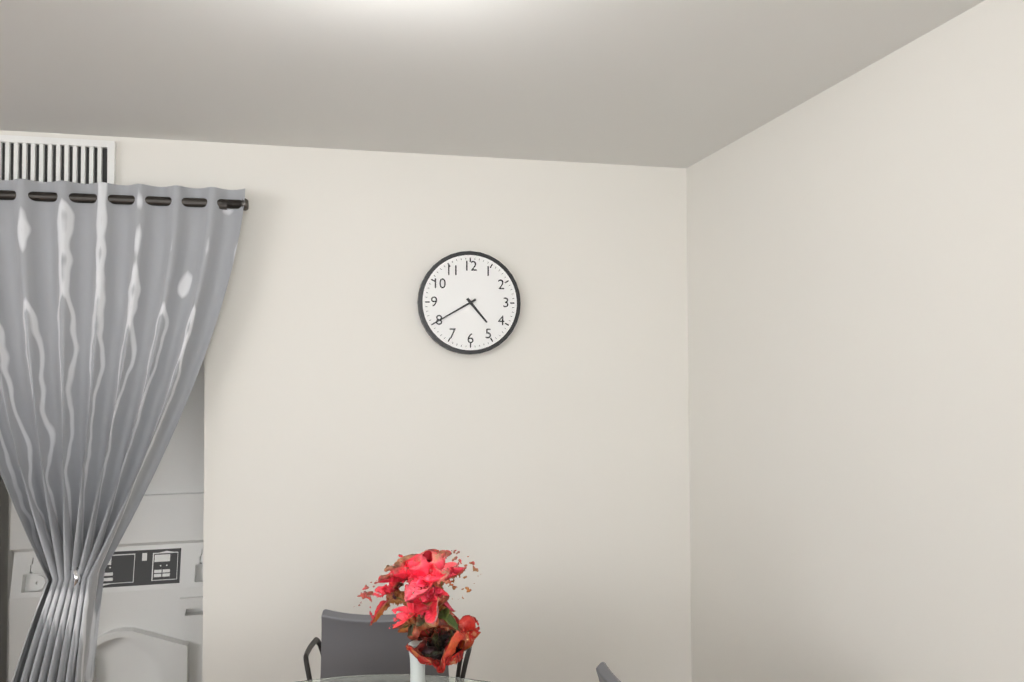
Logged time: **4:40**
